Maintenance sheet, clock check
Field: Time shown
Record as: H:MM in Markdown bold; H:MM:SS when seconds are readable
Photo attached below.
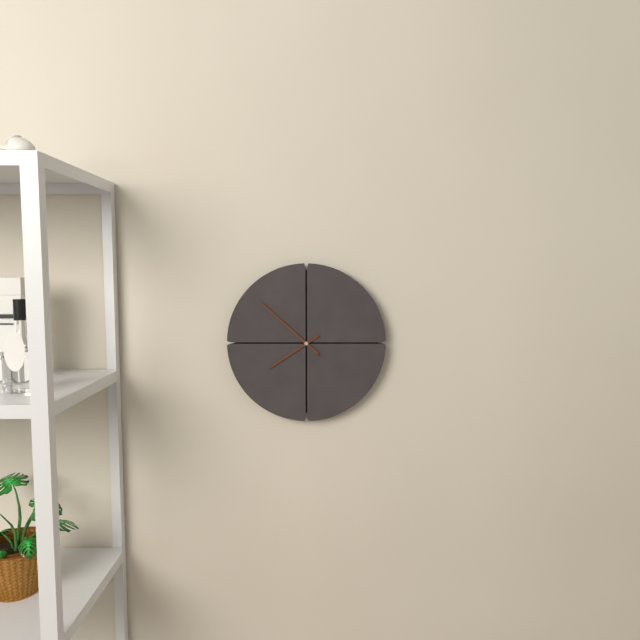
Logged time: **7:52**
